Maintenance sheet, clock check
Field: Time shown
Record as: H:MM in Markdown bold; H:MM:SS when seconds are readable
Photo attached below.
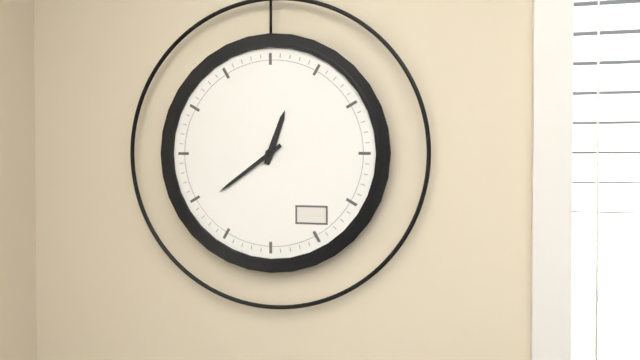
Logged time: **12:39**
